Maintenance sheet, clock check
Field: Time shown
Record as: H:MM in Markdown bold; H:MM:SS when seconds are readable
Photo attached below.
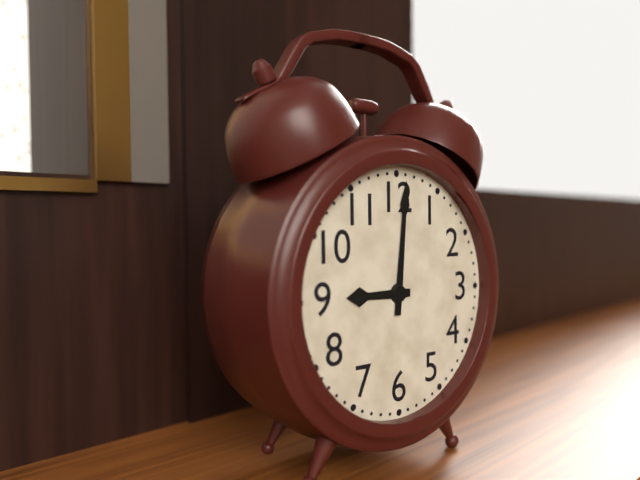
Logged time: **9:01**
